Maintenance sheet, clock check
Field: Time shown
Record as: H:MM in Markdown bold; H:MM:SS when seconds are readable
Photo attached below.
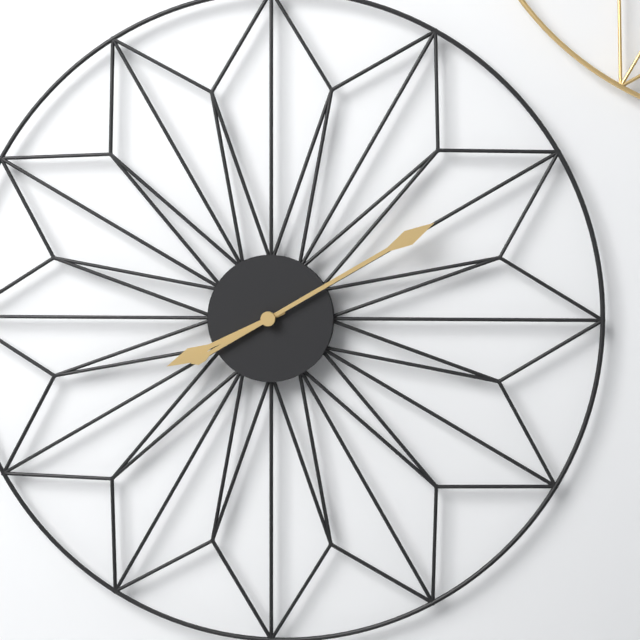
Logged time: **8:10**
